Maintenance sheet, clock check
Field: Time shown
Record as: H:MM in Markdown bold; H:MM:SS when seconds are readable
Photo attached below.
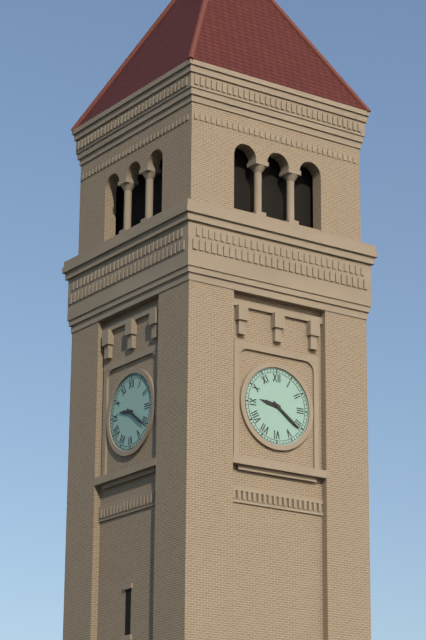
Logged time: **9:21**
